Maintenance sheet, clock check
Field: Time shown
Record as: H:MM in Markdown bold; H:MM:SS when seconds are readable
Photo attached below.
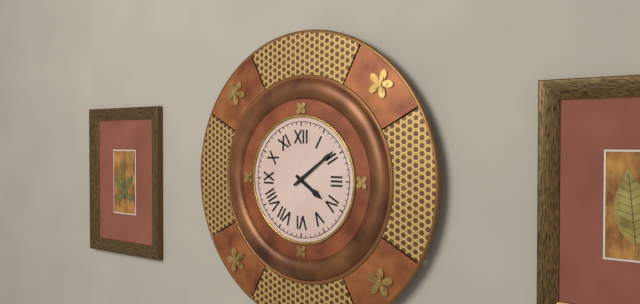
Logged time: **4:09**
